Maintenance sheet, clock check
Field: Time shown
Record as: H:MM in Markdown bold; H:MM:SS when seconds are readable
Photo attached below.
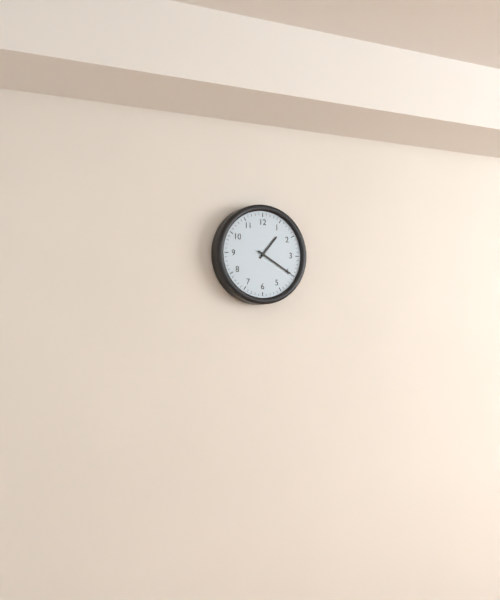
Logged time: **1:20**
